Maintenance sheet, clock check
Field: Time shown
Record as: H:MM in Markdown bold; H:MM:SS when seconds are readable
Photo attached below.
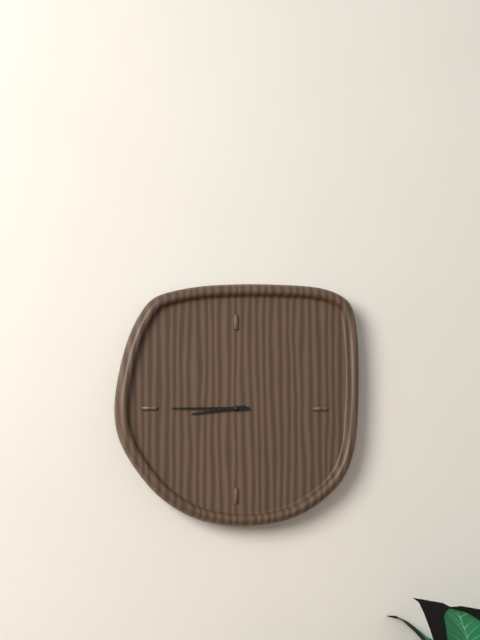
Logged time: **8:45**
